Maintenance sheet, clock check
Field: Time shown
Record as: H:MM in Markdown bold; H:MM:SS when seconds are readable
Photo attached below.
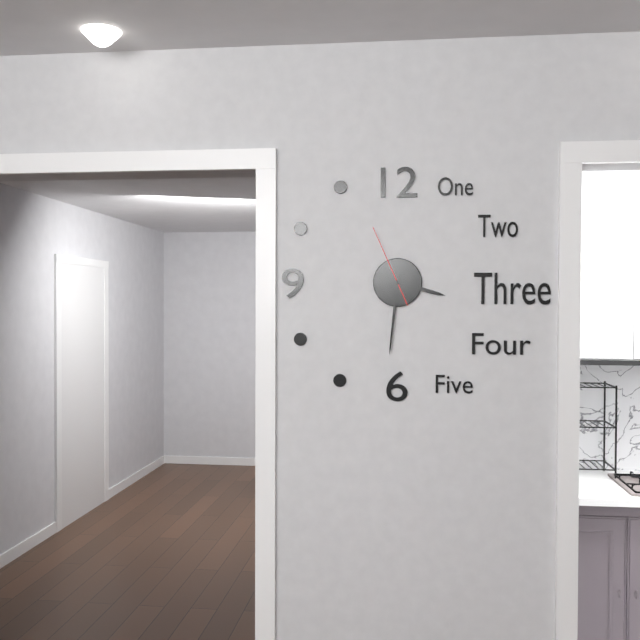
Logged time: **3:31:56**
